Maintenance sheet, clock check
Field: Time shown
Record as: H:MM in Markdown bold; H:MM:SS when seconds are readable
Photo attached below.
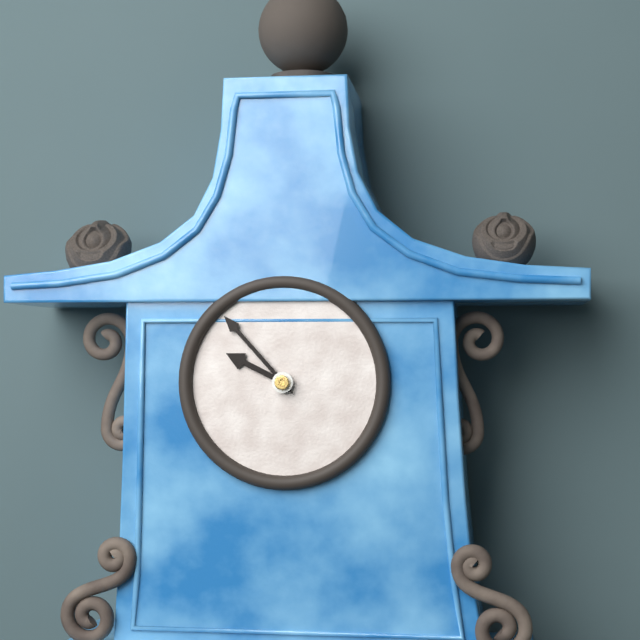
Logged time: **9:53**
